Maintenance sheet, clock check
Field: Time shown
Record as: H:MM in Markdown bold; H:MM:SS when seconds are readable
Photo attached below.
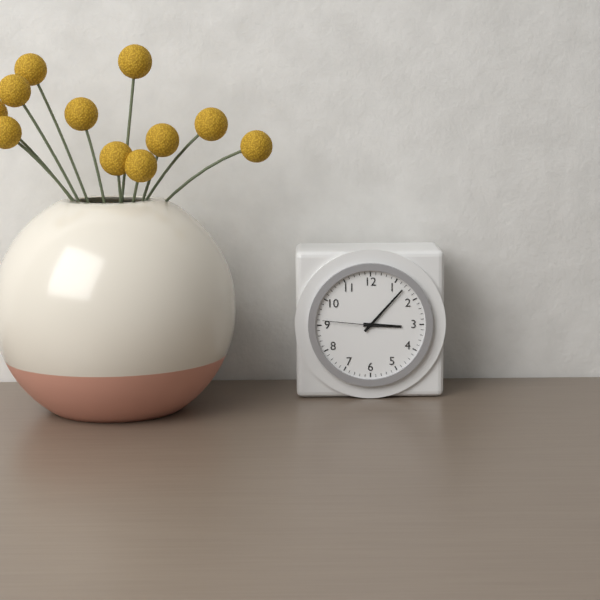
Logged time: **3:07:46**
